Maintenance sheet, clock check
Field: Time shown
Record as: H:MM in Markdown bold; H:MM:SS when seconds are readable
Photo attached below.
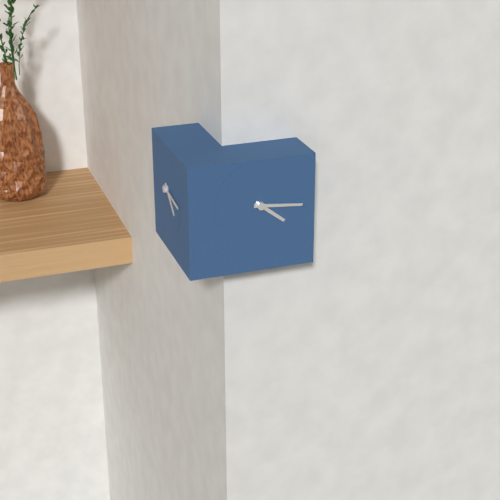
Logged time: **4:16**
